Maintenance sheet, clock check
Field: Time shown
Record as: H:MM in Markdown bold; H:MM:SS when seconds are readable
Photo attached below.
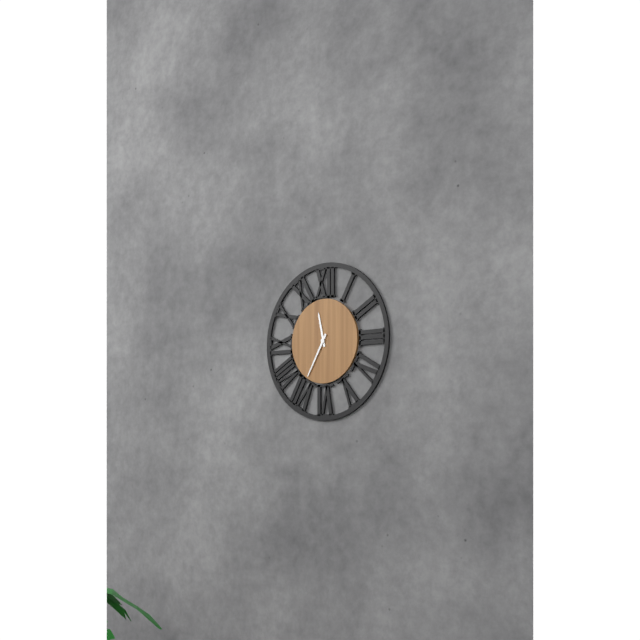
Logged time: **11:35**
